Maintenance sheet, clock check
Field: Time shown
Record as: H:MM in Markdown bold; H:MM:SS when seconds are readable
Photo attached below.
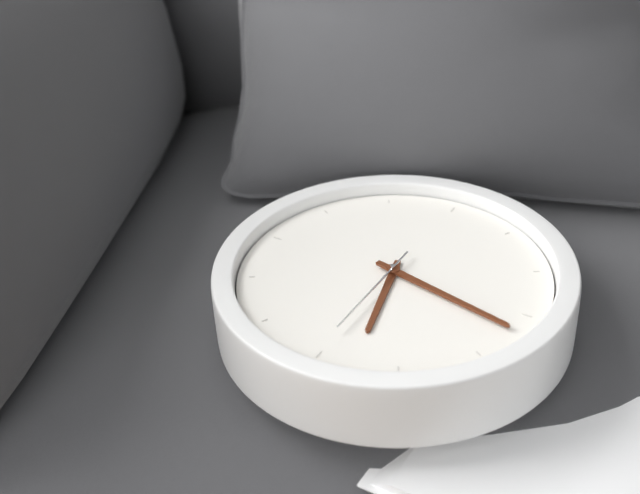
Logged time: **8:32:45**
